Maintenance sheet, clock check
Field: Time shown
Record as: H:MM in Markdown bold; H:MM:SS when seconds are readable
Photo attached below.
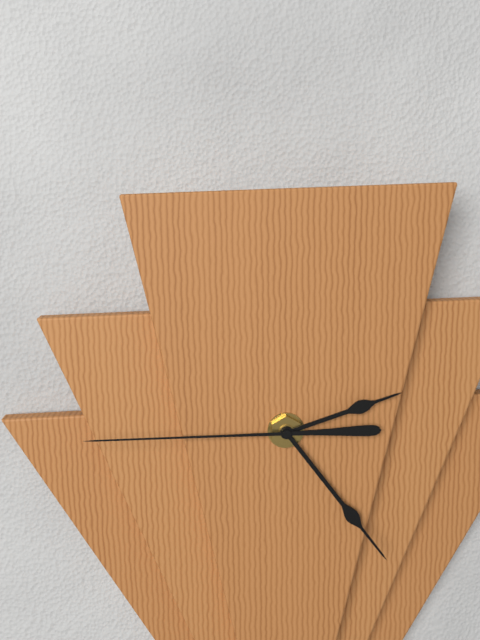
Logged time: **2:24:45**
